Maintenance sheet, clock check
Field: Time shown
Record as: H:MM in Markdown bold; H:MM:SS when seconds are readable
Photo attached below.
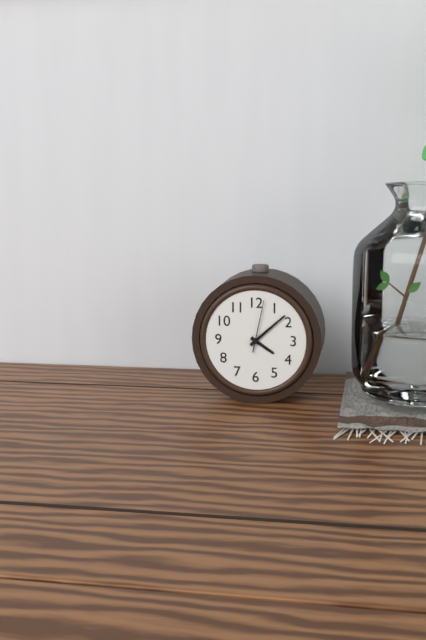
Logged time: **4:08:02**
